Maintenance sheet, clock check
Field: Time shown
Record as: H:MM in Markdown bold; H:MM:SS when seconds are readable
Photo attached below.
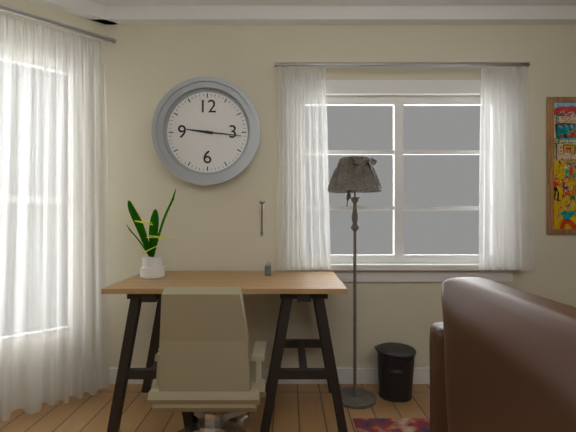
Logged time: **9:16**
